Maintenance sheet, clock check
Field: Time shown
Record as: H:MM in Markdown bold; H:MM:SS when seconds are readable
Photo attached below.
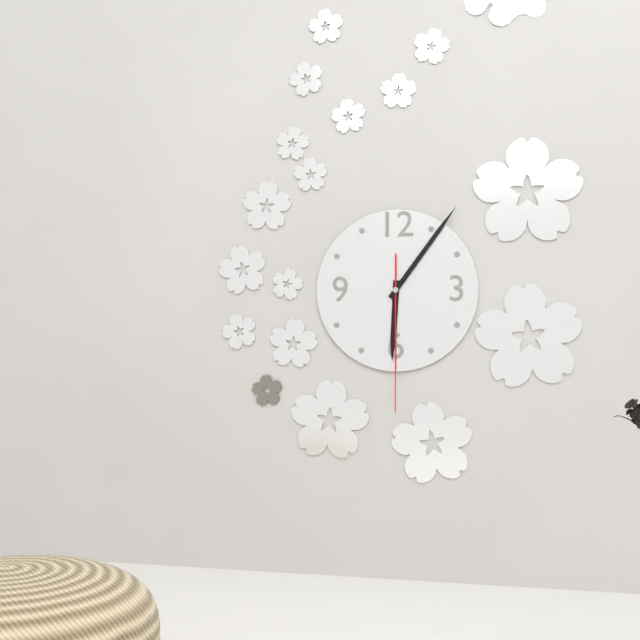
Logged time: **6:06:30**
